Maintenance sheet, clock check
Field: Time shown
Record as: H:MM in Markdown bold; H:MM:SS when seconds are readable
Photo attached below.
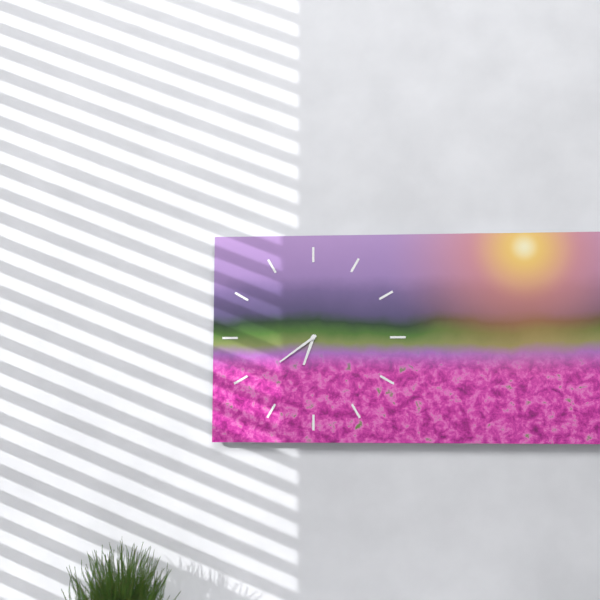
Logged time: **6:39**
